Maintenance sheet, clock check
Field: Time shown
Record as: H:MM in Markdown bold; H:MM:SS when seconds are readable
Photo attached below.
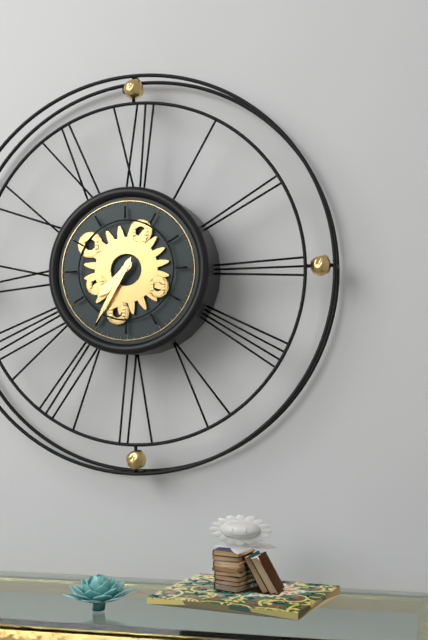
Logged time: **7:35**
